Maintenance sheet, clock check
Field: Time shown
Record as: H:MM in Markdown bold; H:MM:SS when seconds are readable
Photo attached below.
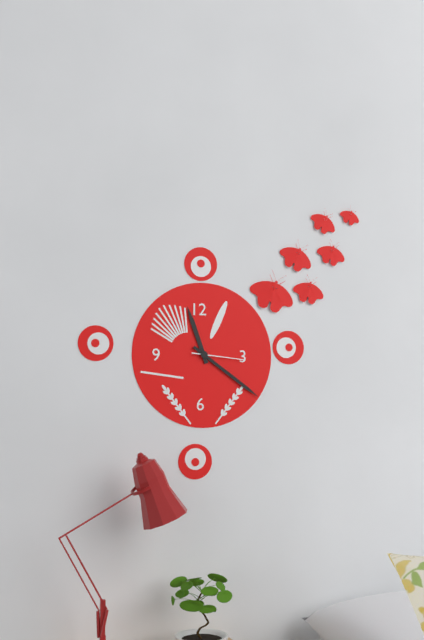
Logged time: **11:21:16**
